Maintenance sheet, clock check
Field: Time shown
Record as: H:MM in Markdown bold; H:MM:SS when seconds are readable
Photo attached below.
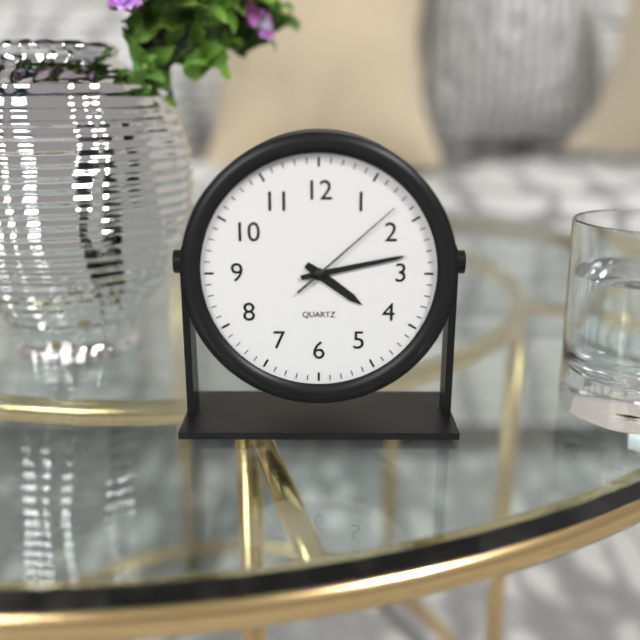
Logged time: **4:13:08**
